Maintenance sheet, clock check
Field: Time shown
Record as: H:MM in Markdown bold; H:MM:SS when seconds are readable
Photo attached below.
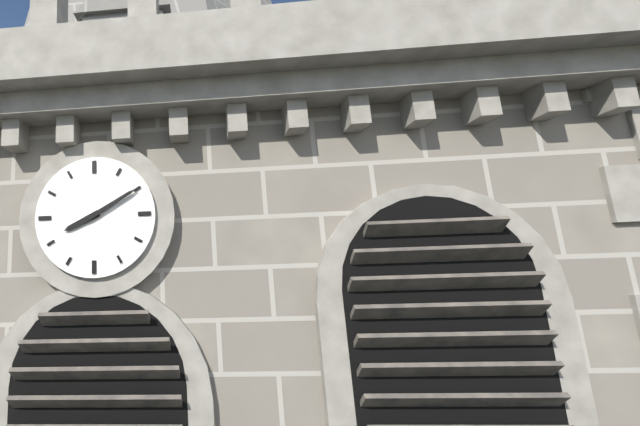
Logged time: **8:10**
